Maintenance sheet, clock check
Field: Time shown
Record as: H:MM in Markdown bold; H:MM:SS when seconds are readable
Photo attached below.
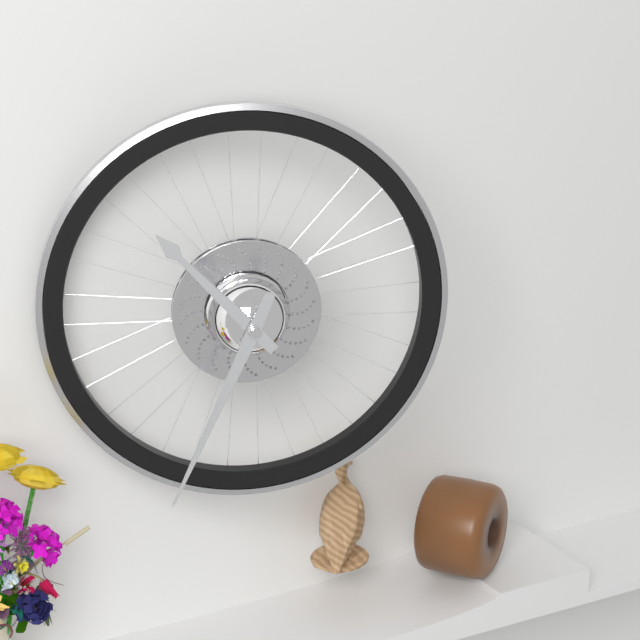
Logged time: **10:34**
